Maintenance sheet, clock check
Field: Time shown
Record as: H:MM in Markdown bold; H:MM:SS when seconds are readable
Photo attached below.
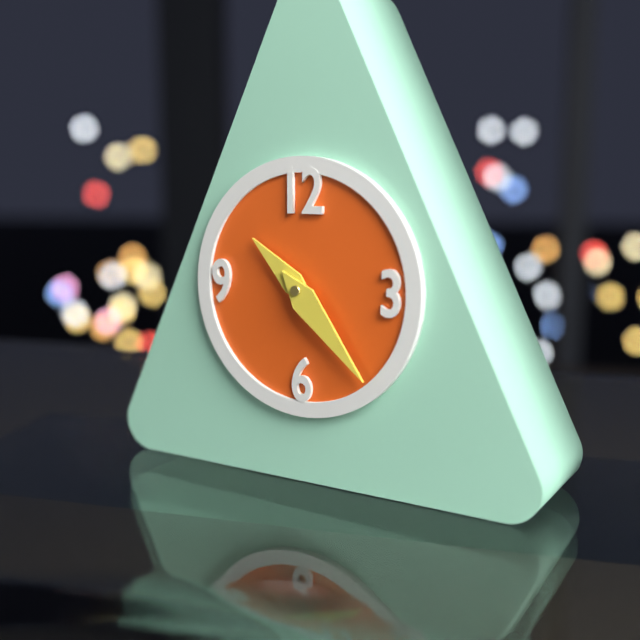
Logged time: **10:23**
